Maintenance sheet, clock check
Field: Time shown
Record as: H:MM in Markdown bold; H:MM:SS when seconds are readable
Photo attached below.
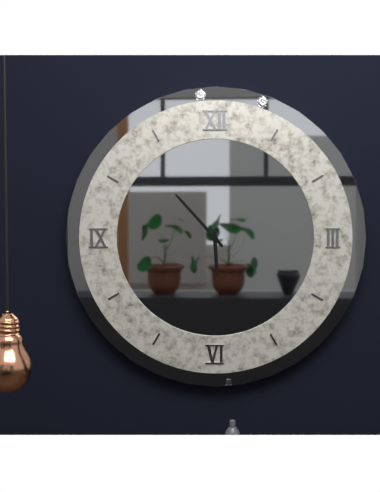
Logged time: **5:53**
